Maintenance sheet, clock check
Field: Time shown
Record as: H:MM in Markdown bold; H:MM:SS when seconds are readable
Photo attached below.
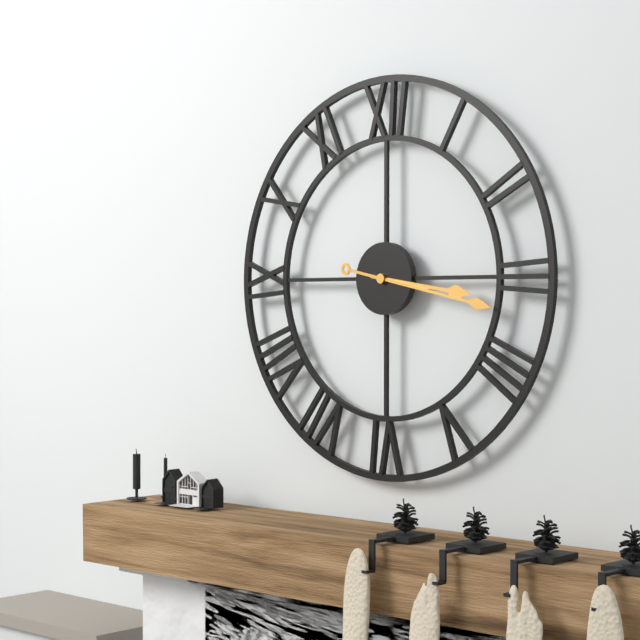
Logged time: **3:17**
